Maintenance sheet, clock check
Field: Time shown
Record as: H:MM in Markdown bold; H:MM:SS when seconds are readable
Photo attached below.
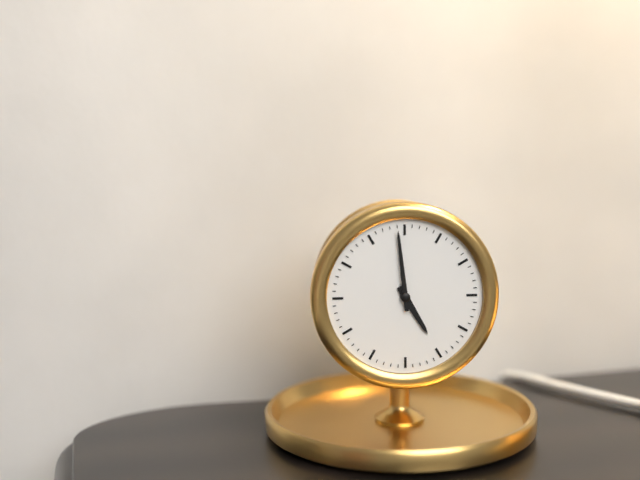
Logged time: **4:59**
